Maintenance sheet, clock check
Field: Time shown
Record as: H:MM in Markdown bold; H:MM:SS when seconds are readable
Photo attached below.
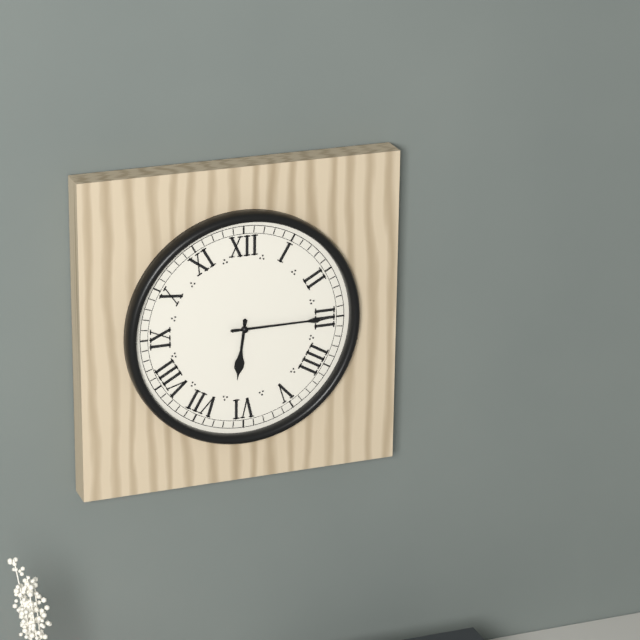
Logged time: **6:15**
